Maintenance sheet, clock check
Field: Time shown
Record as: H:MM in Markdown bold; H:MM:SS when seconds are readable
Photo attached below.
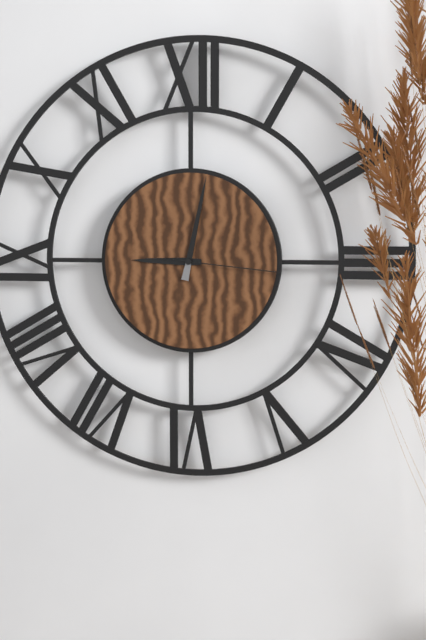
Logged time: **9:02:16**
